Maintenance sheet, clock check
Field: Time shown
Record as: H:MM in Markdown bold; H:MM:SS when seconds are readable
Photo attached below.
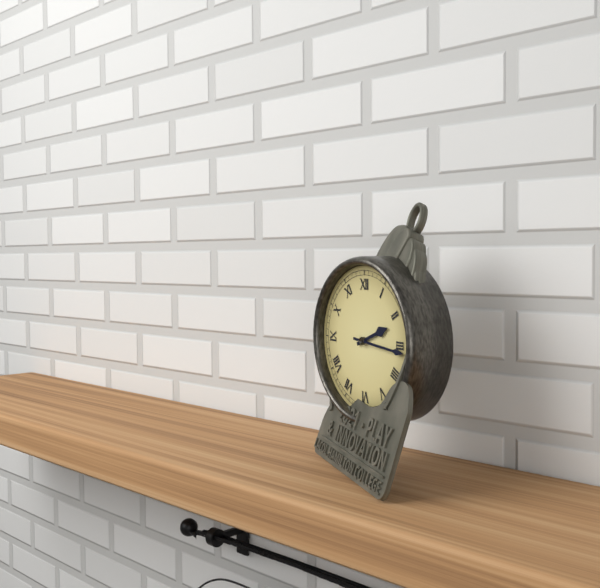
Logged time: **2:16**
